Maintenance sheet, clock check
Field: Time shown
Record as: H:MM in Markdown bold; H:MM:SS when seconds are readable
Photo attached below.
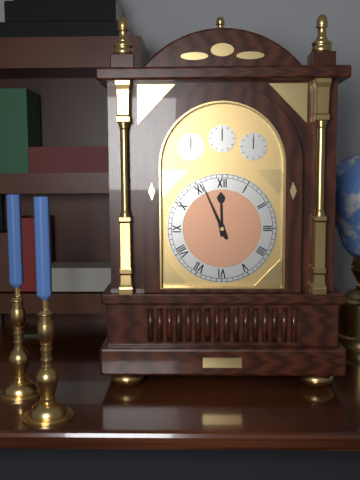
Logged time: **11:56**
